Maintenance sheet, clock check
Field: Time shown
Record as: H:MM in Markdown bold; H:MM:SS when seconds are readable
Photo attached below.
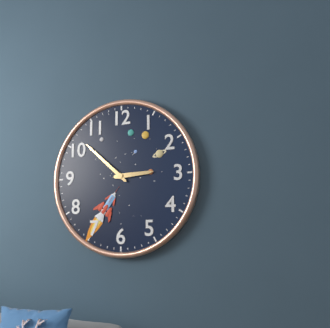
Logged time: **2:52**
